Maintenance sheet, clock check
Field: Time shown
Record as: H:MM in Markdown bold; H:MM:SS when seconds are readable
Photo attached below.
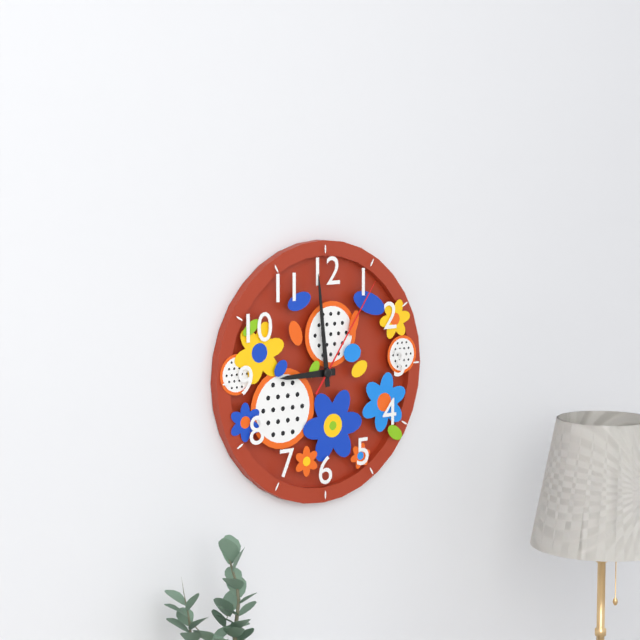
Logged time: **8:59:06**
